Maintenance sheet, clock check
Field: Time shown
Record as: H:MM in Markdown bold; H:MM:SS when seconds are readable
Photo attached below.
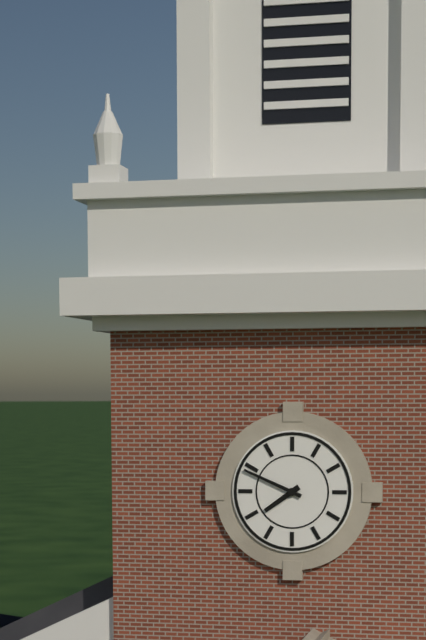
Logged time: **7:49**
